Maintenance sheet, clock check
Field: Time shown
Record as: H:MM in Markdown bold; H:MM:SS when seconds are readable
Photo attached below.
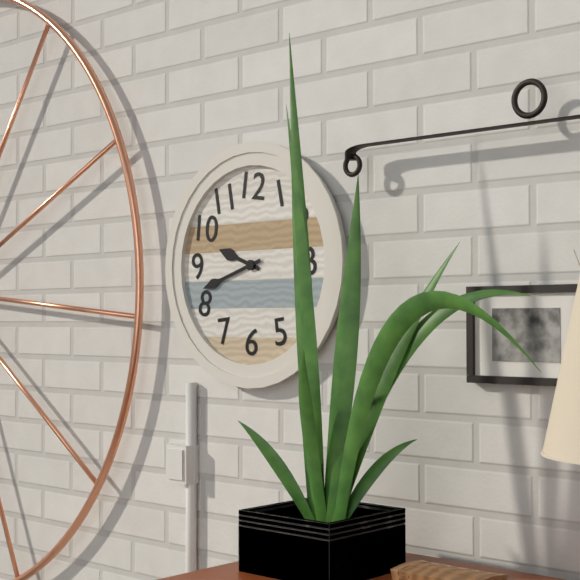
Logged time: **9:42**
